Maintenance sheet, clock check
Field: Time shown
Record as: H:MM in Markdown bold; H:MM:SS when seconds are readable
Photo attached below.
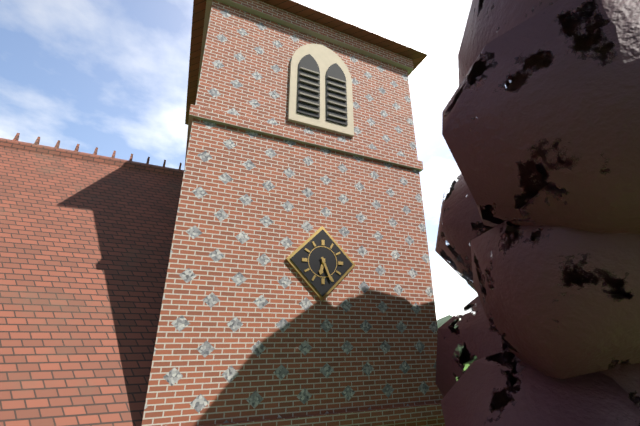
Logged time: **6:26**
